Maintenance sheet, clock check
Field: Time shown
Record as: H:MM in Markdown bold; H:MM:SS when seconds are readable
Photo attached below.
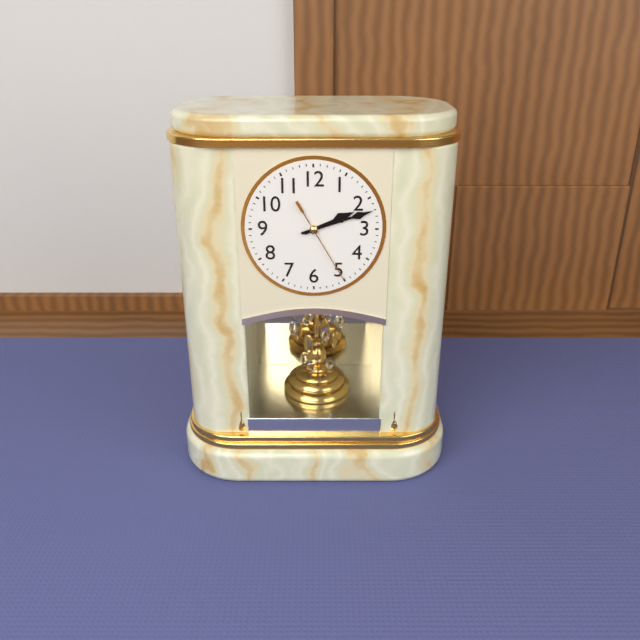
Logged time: **2:12:25**
